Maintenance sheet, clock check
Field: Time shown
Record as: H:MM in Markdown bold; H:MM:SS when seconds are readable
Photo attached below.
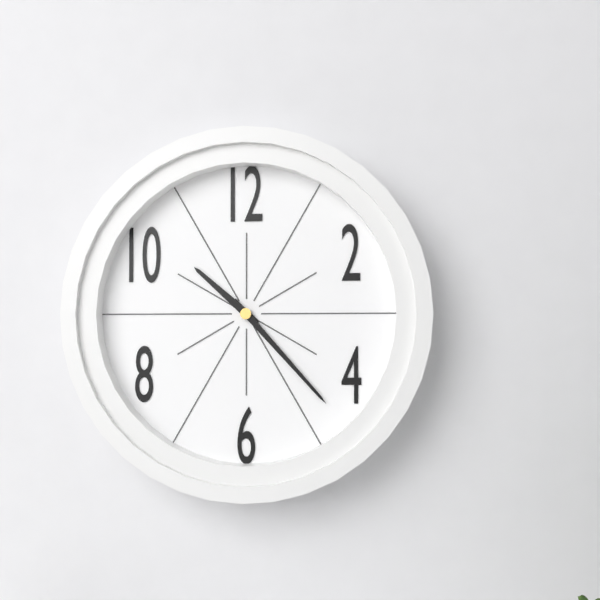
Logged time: **10:23**
